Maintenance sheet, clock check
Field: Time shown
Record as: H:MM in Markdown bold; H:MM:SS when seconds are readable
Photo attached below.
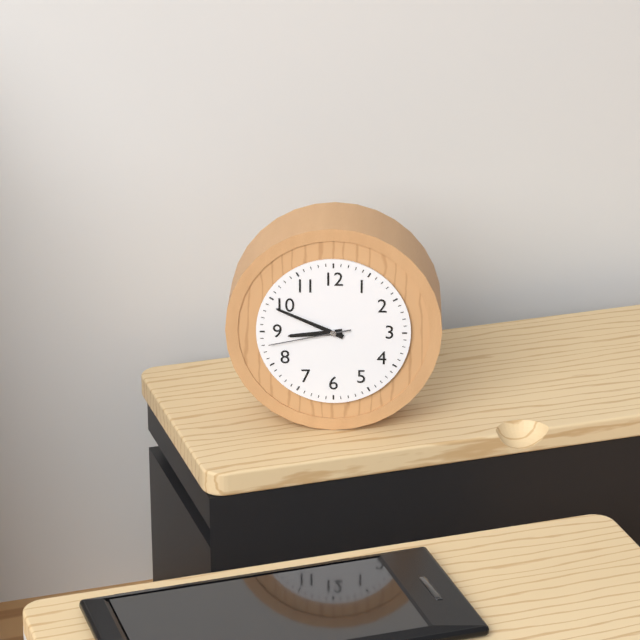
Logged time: **8:49:43**
